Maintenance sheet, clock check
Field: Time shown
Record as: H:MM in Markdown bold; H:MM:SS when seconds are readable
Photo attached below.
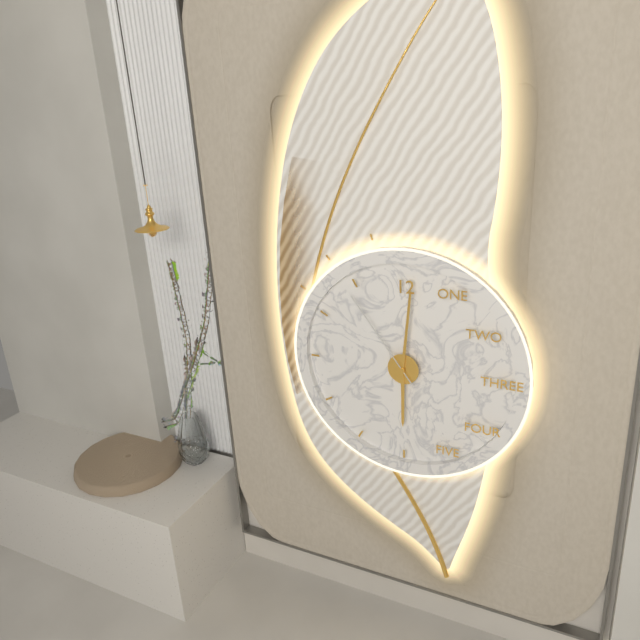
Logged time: **6:01:54**
